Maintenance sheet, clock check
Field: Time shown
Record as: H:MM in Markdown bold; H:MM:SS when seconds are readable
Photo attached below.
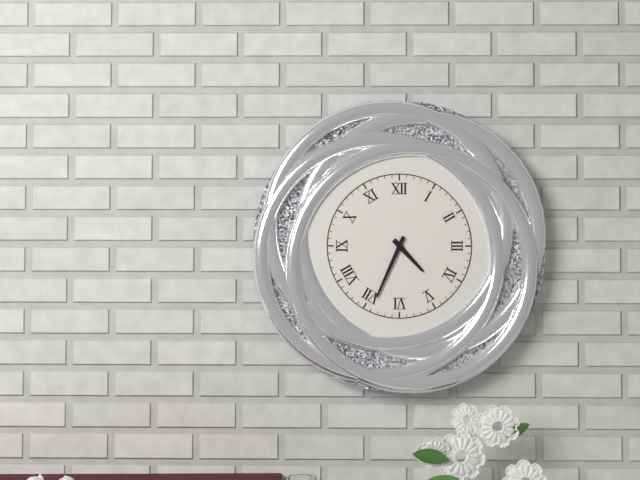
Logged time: **4:34**
